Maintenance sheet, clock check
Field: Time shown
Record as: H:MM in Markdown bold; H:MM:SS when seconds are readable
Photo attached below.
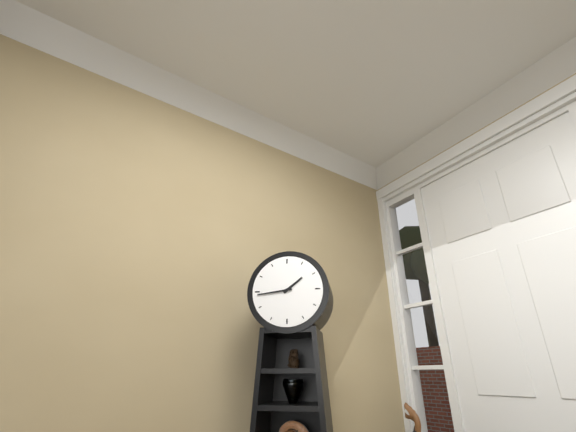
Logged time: **1:44**
